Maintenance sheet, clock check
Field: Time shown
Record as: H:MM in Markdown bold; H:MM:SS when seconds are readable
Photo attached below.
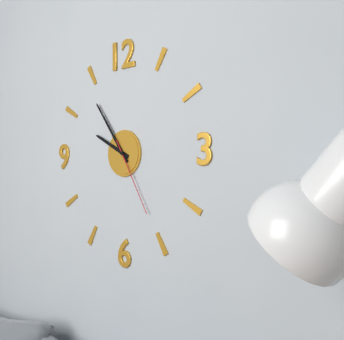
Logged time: **9:54:25**
